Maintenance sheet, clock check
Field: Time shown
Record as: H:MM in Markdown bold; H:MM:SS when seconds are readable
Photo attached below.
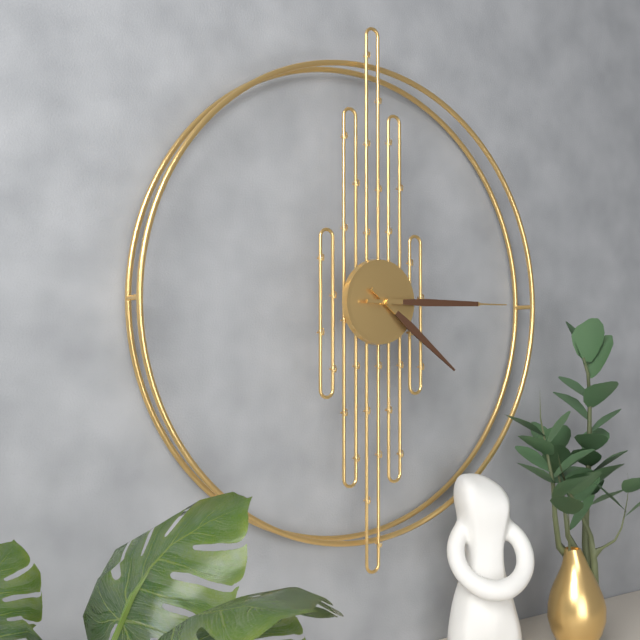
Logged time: **4:15**
